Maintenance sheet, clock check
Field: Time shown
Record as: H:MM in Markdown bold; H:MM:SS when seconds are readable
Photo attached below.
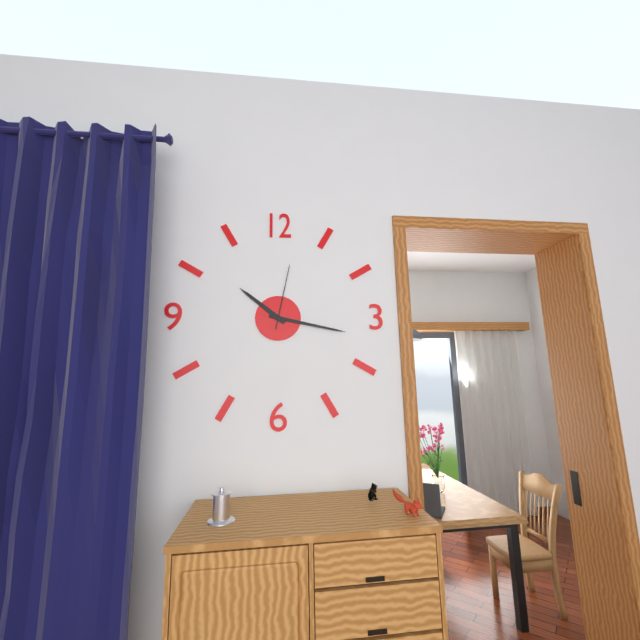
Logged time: **10:17:02**
